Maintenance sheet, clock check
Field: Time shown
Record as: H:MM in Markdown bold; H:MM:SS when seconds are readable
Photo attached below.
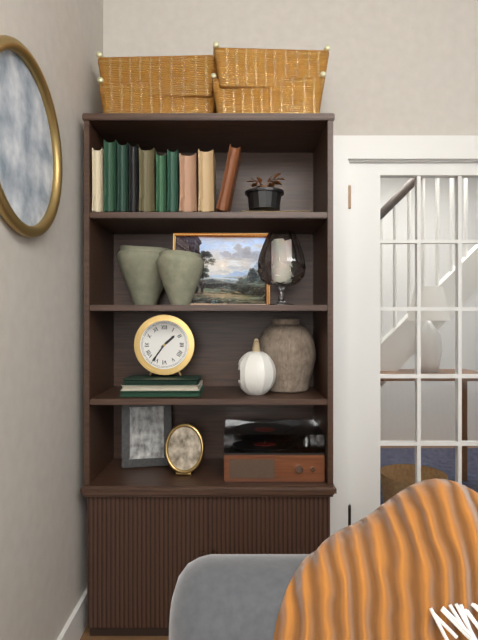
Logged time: **1:36**
